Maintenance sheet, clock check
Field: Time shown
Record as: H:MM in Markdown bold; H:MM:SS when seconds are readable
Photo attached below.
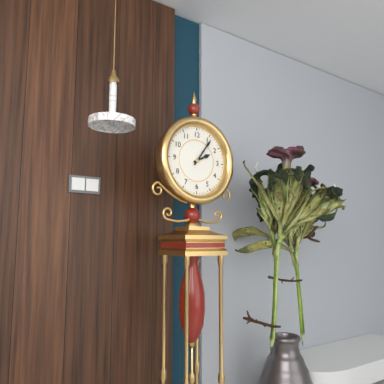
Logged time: **2:06**
